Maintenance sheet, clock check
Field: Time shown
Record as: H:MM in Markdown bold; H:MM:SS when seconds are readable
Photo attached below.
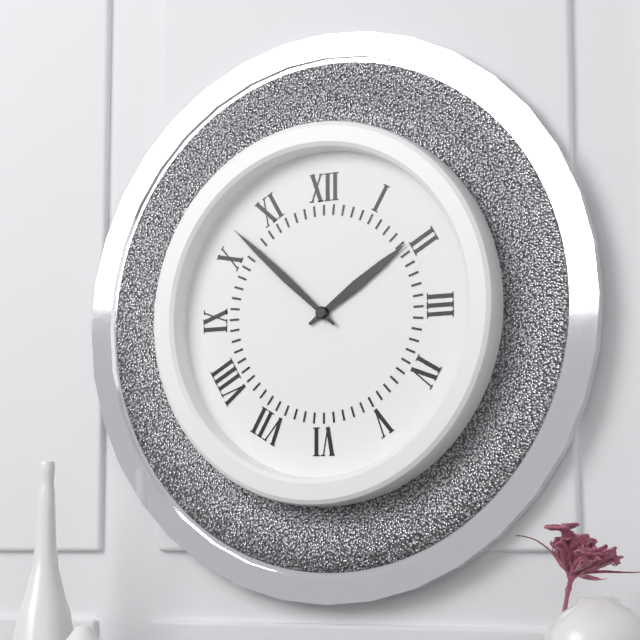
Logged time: **1:52**
